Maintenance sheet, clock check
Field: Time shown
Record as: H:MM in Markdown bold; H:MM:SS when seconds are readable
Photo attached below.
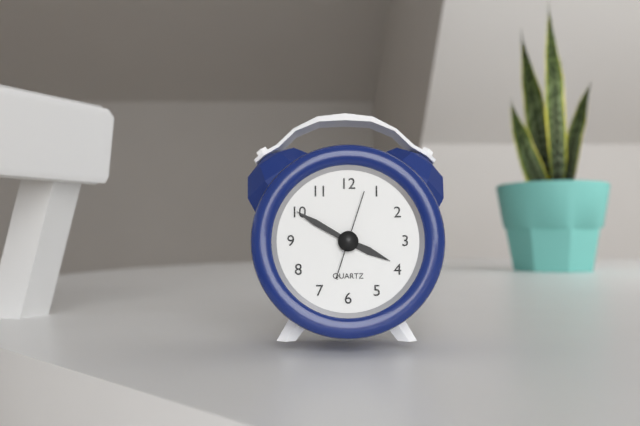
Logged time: **3:50:03**
